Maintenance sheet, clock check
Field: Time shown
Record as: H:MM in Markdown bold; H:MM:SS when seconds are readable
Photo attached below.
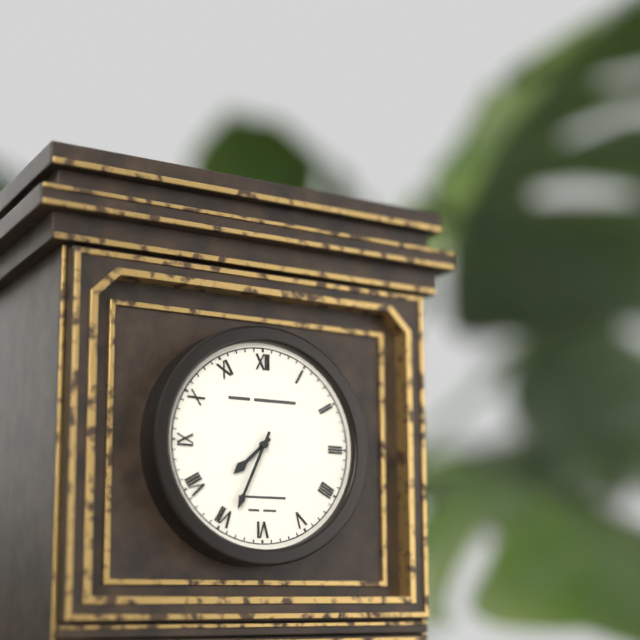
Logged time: **7:34**
